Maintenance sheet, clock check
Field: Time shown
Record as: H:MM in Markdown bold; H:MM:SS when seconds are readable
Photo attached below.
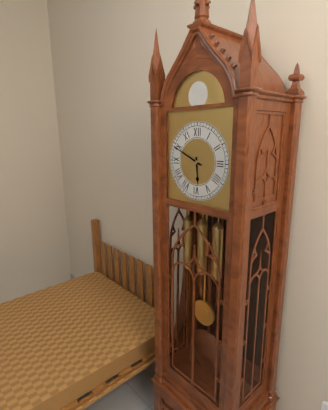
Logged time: **5:49**
